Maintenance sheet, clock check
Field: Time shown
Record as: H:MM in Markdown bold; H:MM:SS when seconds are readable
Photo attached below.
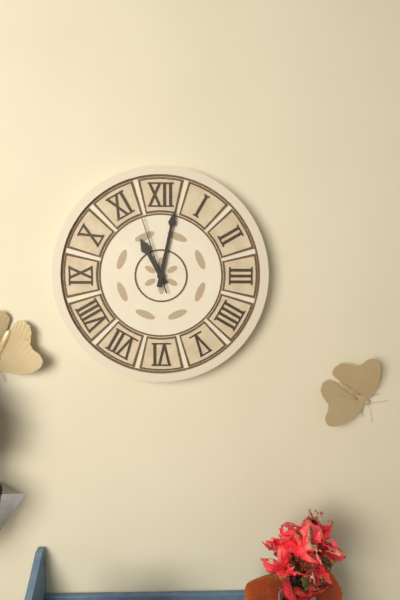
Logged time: **11:02:57**
